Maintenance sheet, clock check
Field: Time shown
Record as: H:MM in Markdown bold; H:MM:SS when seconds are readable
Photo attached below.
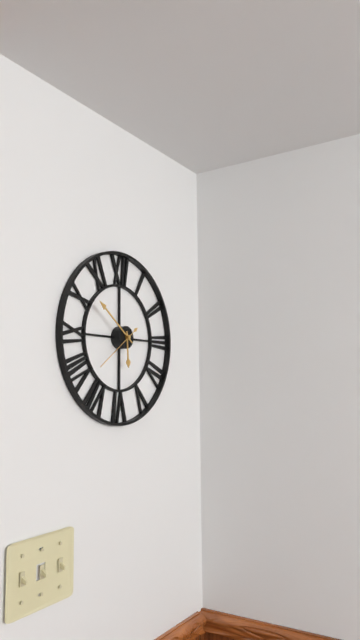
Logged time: **5:51**
